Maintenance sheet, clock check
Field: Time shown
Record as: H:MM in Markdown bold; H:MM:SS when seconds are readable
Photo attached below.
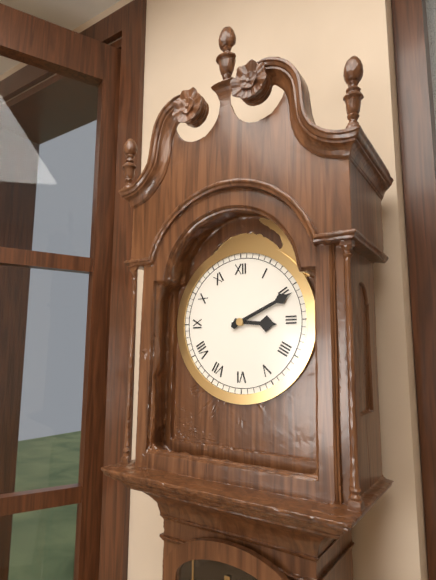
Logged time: **3:11**
